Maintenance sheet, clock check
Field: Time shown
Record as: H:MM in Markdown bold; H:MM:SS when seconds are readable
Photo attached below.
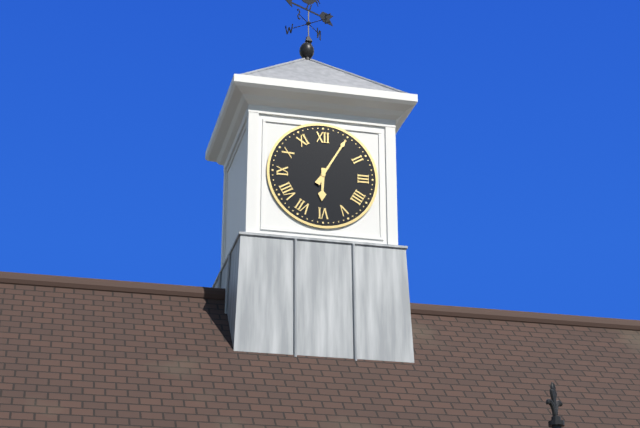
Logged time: **6:05**
